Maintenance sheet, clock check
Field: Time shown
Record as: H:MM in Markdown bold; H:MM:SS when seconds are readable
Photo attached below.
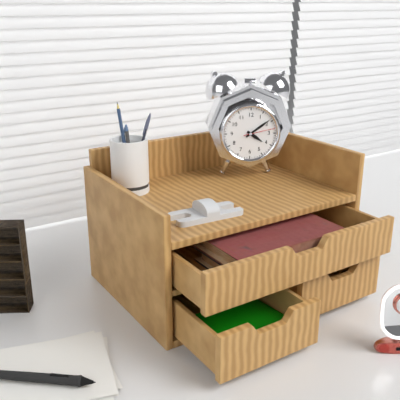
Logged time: **4:09**
